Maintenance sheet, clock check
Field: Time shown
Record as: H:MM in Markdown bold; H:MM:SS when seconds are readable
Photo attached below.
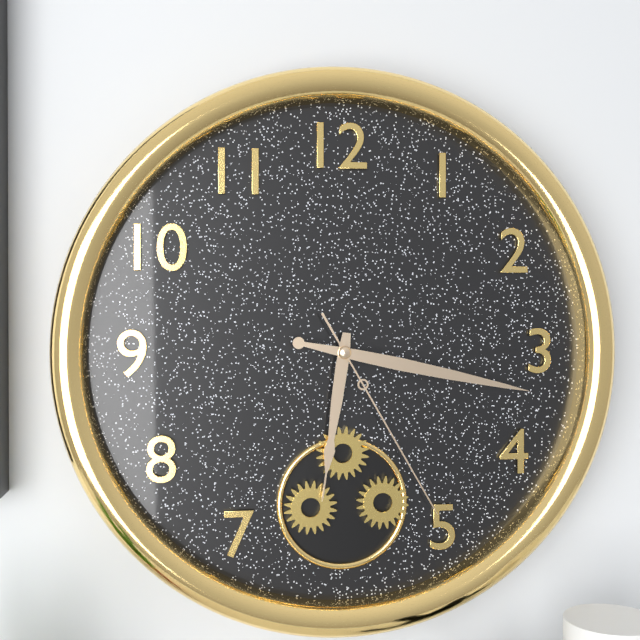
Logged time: **6:17:25**
